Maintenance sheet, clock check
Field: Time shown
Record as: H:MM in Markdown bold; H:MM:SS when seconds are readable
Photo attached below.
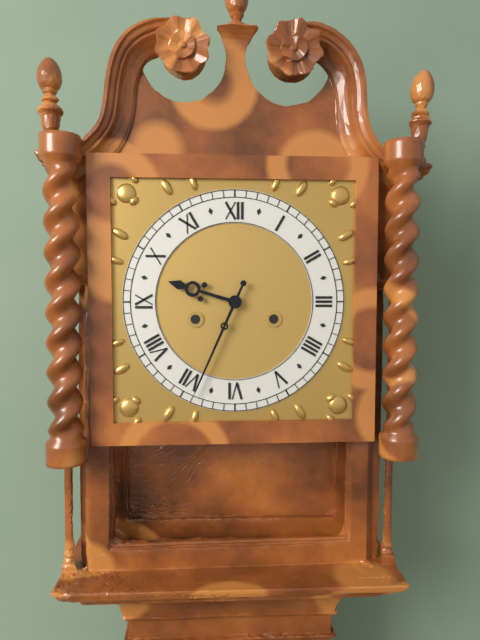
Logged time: **9:34**
